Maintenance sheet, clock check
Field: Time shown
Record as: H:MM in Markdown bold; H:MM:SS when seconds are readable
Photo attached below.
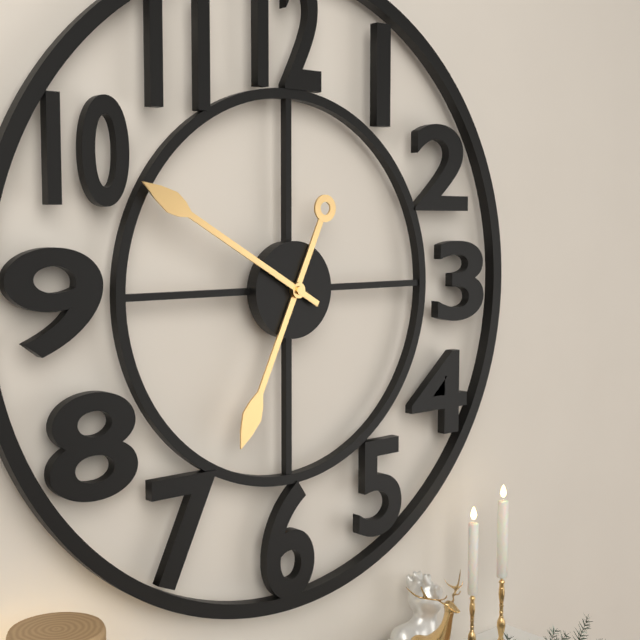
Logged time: **6:50**
